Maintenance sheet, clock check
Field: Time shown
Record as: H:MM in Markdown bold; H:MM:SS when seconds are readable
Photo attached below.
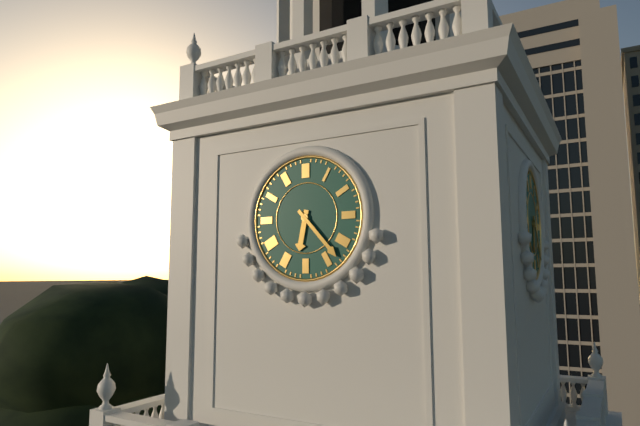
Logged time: **6:23**
